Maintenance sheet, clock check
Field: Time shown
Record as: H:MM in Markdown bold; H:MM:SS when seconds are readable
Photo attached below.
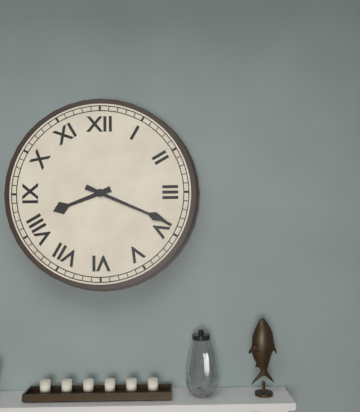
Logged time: **8:19**
